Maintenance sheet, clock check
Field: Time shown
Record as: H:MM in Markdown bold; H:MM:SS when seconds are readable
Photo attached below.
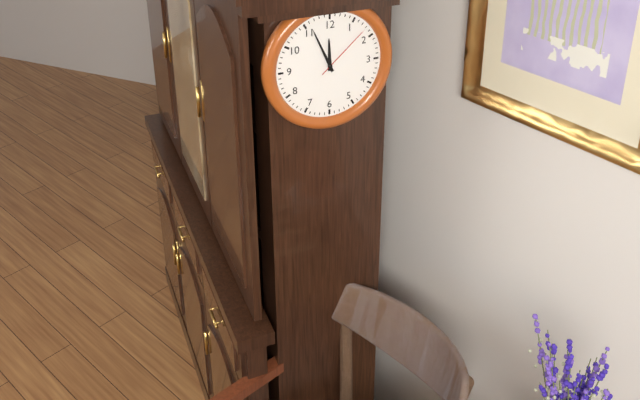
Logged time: **11:56:08**
